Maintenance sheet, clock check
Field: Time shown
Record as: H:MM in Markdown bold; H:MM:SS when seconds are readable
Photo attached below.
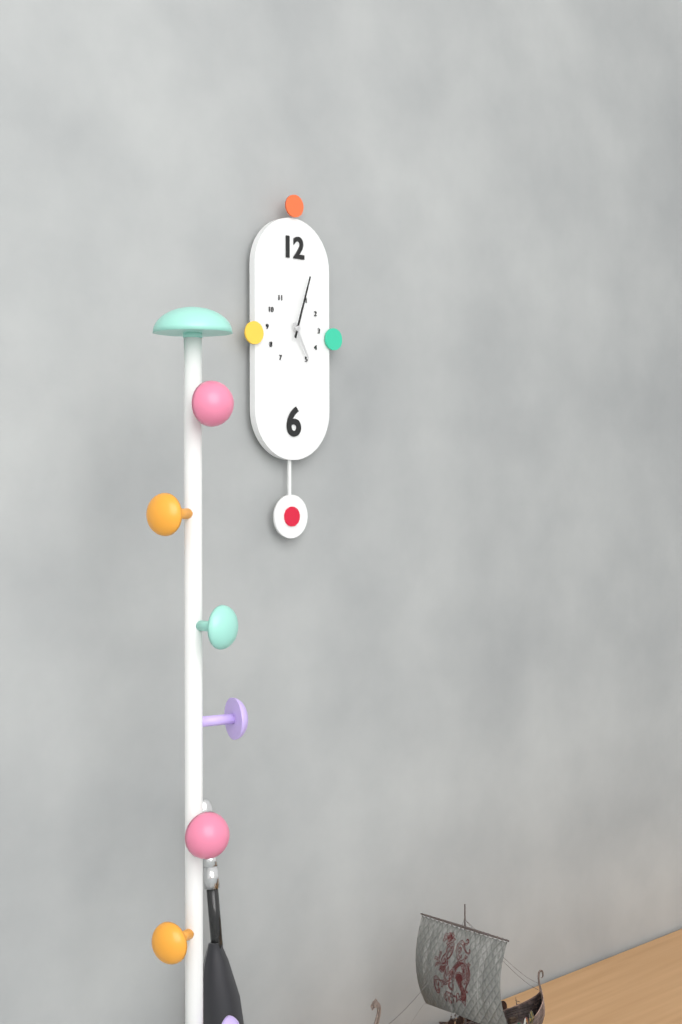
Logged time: **5:03**
